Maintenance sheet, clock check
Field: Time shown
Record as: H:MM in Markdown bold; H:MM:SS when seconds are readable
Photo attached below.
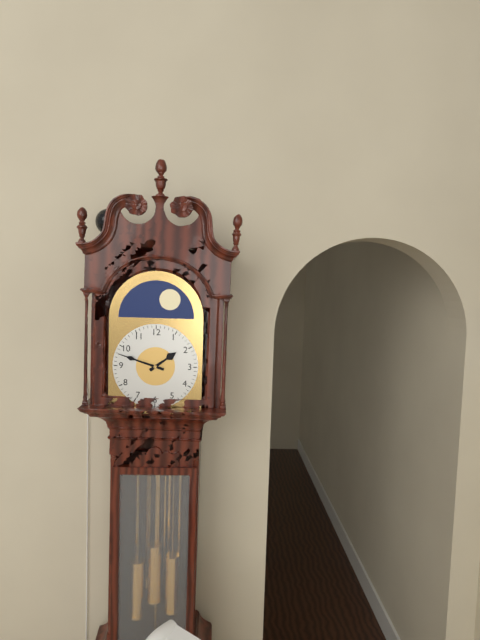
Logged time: **1:48**
